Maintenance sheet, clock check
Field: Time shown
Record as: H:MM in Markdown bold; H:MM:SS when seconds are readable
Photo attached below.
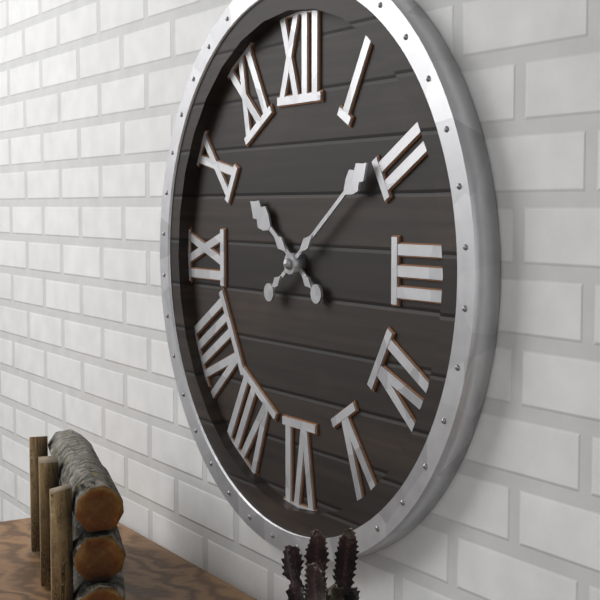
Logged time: **10:09**
